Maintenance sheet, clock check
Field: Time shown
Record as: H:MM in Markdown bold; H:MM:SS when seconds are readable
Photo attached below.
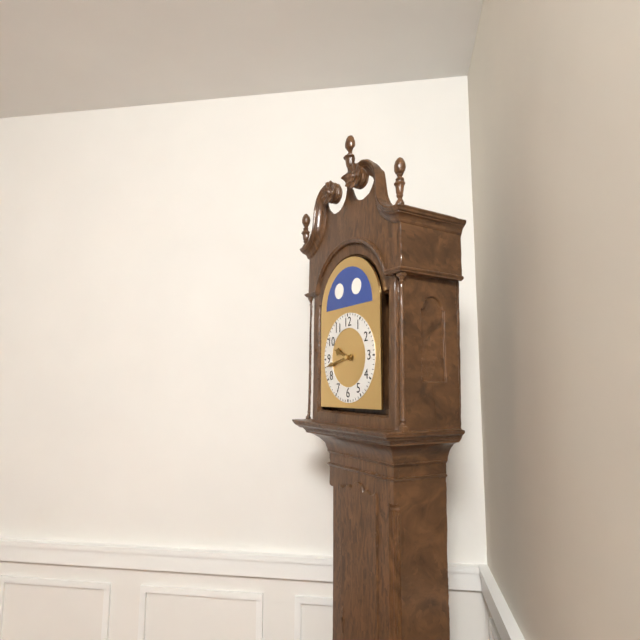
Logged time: **9:43**
